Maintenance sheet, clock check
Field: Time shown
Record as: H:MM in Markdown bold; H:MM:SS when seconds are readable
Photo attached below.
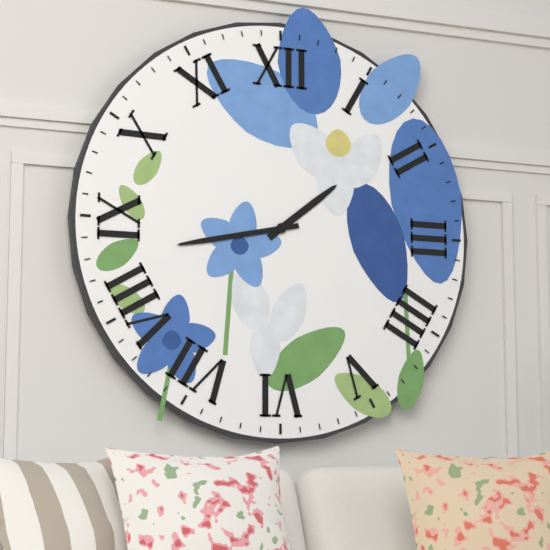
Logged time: **1:43**
